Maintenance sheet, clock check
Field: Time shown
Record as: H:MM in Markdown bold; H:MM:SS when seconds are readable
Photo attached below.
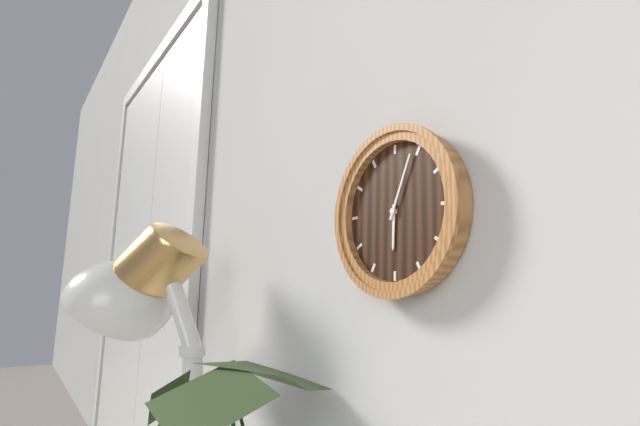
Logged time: **6:04**
